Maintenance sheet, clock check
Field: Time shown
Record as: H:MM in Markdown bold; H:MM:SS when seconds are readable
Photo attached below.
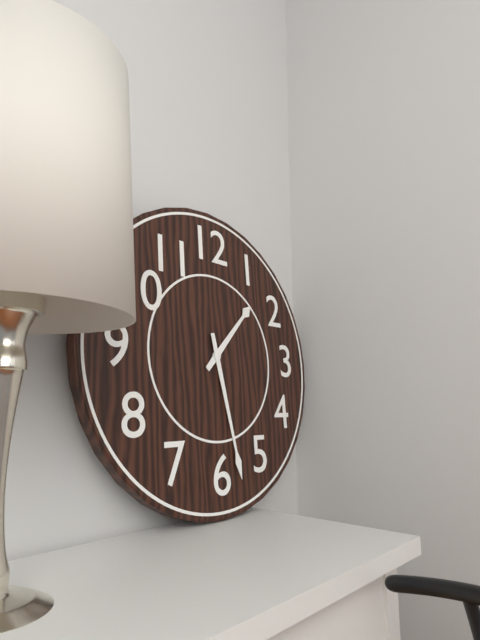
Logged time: **1:28**
